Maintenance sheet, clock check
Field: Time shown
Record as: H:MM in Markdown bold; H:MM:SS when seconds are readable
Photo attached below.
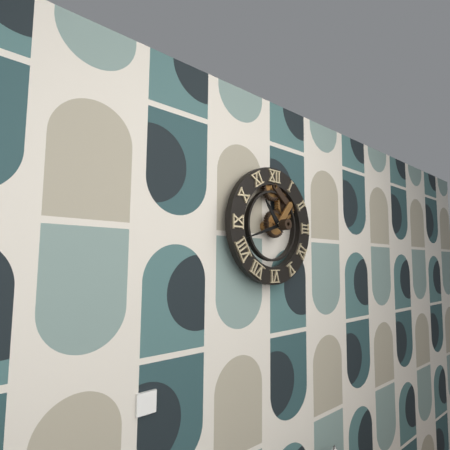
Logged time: **10:42**
